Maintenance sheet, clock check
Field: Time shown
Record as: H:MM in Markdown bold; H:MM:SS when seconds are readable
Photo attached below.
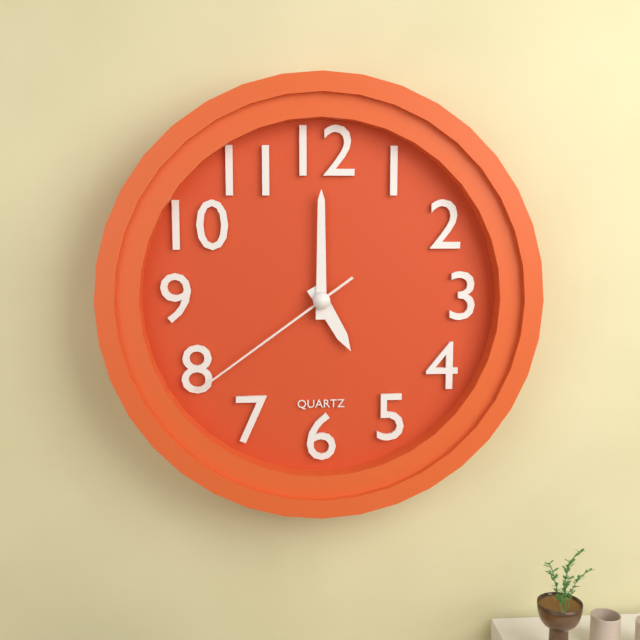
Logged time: **5:00:39**
